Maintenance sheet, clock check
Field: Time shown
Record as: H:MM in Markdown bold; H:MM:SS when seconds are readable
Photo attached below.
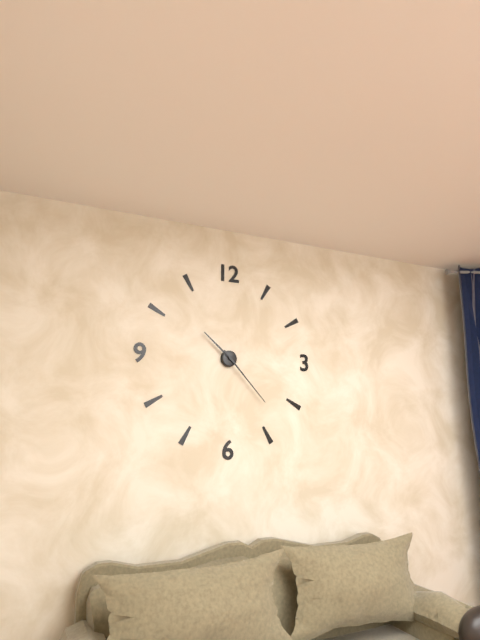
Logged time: **10:23**
